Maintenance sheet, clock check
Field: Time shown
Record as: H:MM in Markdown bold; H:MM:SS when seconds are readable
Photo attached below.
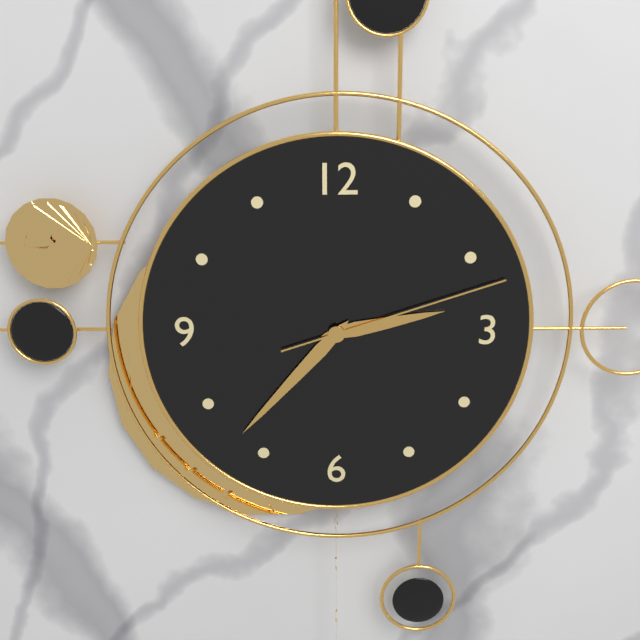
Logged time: **2:37:12**
